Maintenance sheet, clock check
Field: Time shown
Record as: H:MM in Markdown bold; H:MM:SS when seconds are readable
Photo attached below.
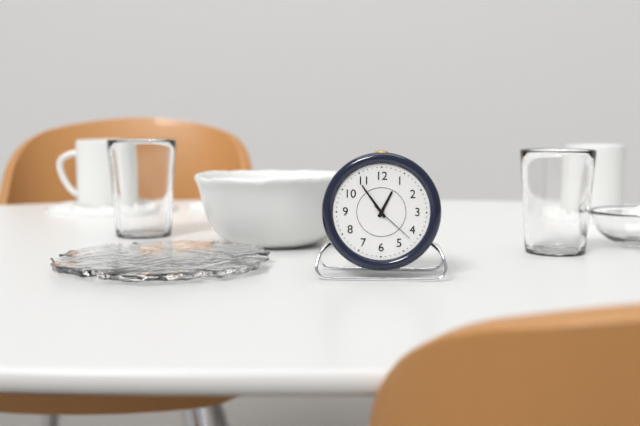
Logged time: **12:54**
